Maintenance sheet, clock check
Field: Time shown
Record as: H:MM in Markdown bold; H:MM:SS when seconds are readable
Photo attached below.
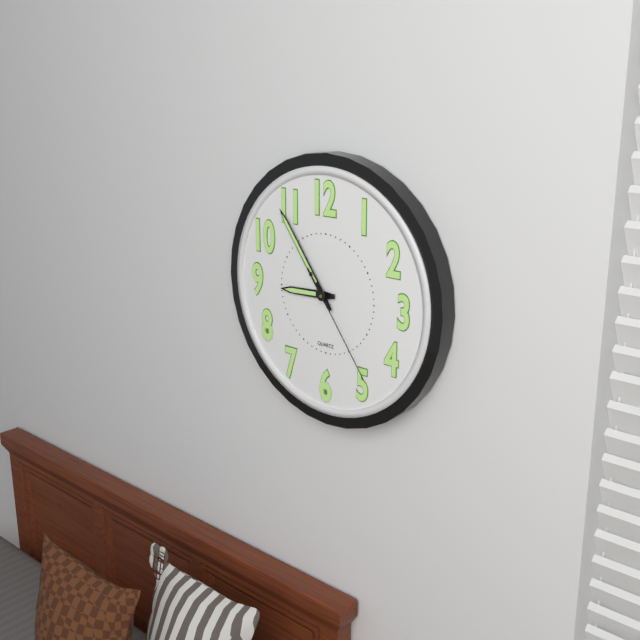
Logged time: **8:54:24**
